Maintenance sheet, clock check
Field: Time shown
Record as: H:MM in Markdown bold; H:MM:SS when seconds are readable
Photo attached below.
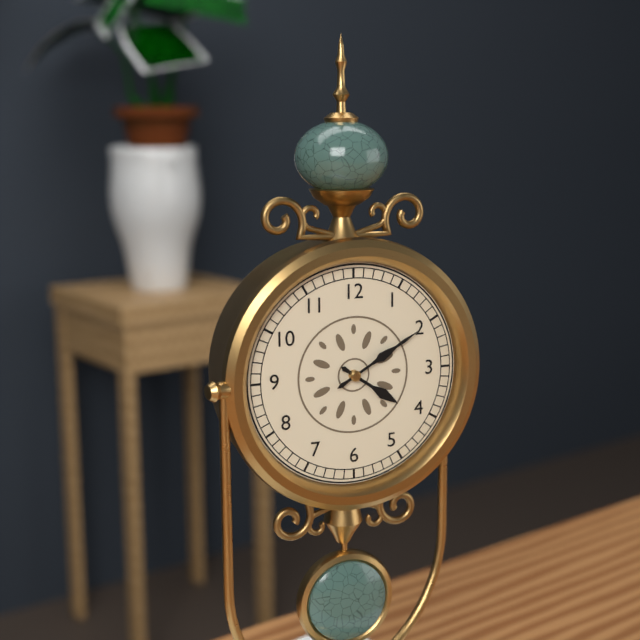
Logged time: **4:10**
